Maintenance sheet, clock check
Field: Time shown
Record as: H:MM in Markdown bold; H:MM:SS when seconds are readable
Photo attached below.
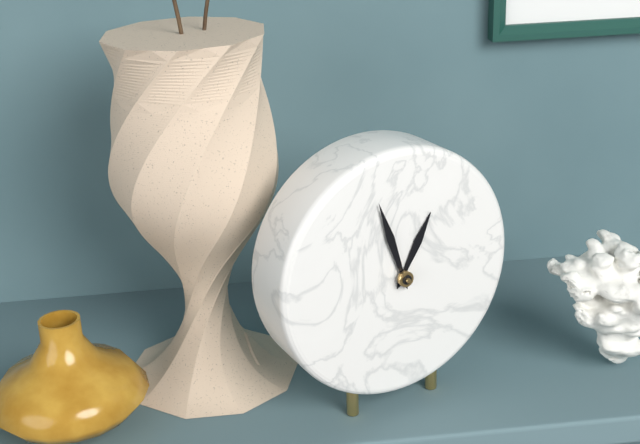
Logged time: **12:57**
